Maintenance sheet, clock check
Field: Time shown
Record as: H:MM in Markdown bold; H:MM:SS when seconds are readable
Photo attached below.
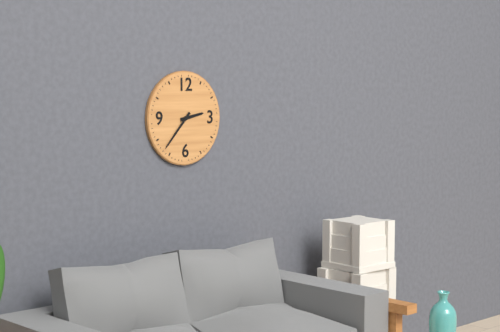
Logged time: **2:37**
